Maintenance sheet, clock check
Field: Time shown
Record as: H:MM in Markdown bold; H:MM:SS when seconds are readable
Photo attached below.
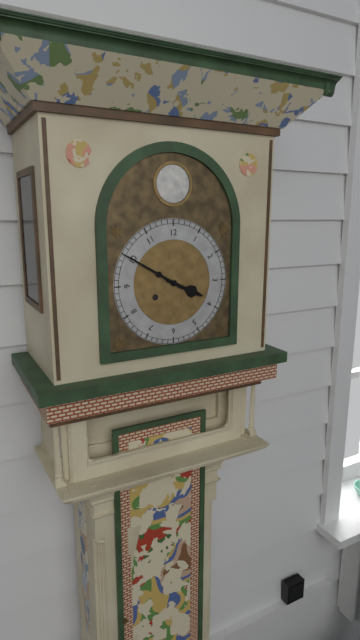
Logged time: **3:50**
